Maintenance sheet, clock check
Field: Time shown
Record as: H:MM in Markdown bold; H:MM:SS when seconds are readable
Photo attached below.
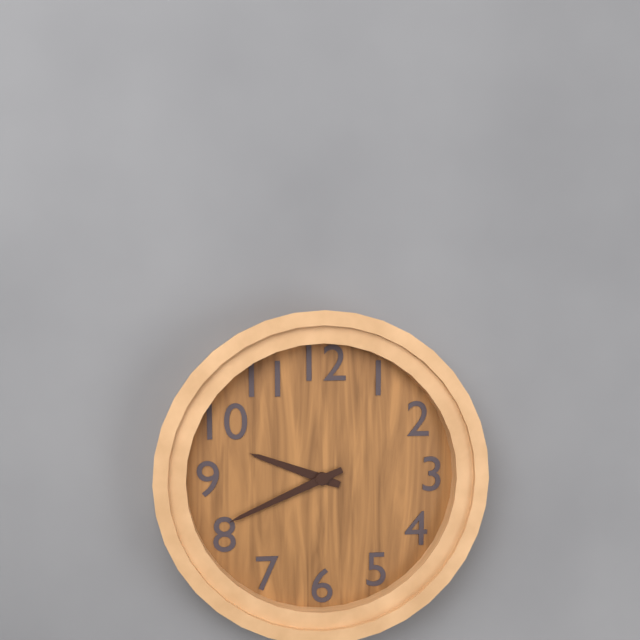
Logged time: **9:41**
